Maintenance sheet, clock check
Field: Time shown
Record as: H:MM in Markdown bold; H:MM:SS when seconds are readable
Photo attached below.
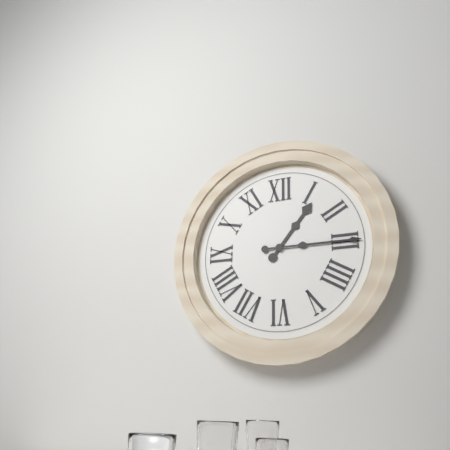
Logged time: **1:15**
